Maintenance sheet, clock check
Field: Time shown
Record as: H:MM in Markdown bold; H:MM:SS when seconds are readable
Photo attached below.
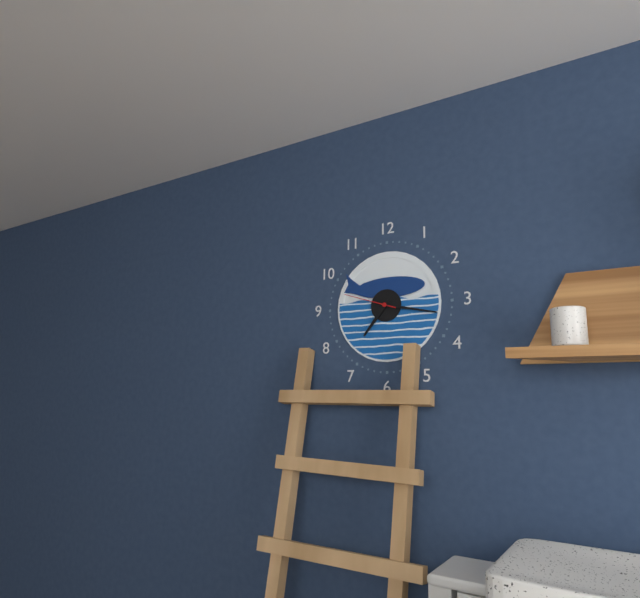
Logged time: **7:17:48**
